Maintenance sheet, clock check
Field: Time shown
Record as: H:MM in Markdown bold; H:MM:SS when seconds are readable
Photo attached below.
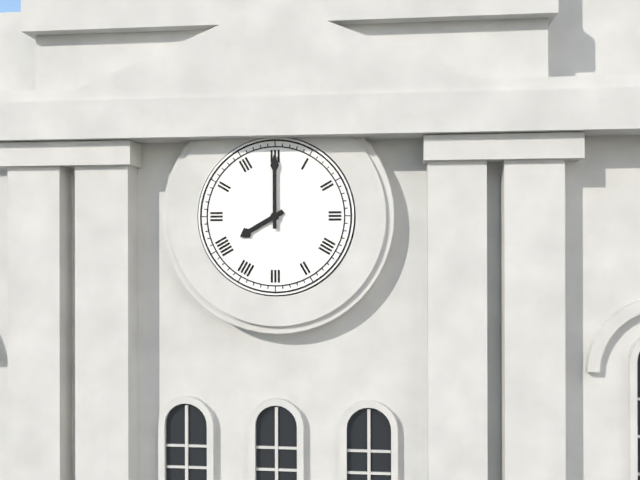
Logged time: **8:00**
